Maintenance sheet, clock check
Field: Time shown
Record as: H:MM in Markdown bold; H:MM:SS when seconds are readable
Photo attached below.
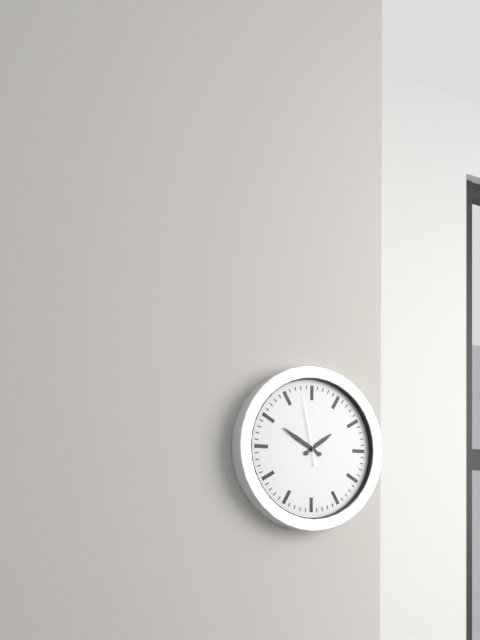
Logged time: **1:50:58**
